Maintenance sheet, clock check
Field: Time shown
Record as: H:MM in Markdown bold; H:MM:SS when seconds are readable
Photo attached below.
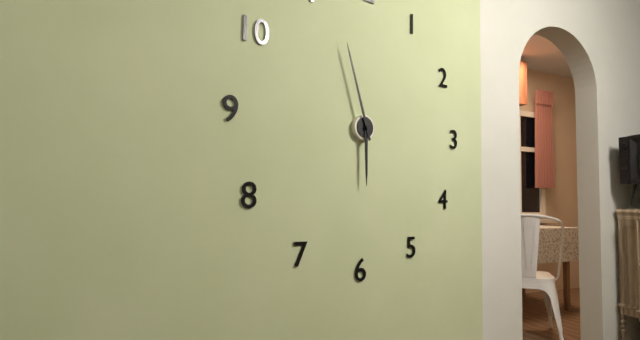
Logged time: **5:57**
